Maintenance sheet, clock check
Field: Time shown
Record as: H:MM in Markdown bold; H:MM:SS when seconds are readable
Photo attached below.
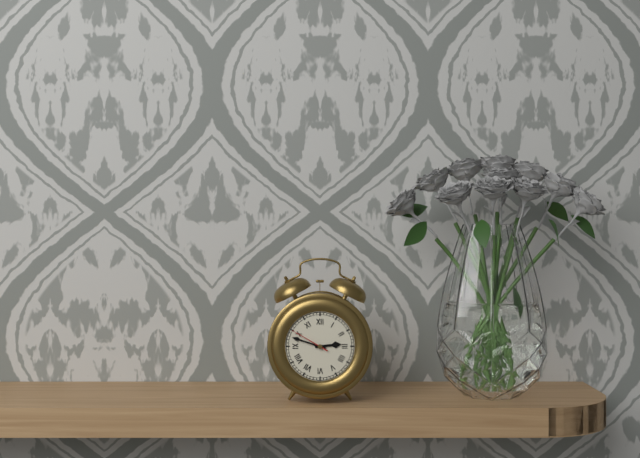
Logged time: **2:48**
